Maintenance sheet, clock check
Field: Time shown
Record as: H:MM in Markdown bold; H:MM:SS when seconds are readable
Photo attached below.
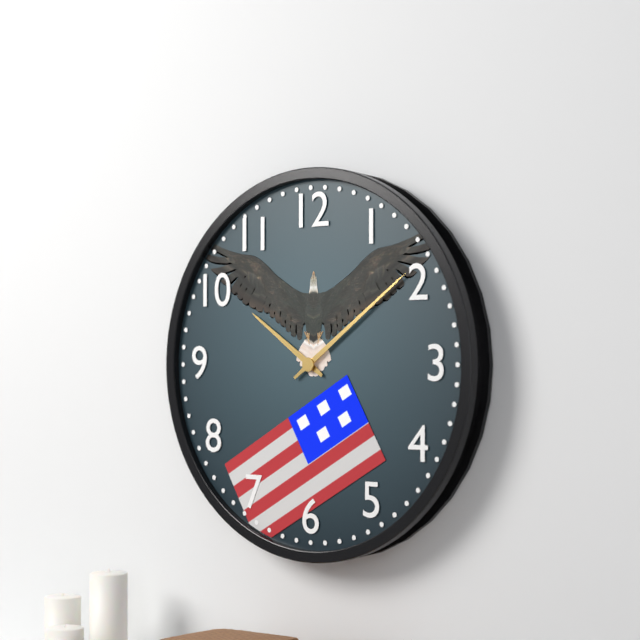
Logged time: **10:09**
